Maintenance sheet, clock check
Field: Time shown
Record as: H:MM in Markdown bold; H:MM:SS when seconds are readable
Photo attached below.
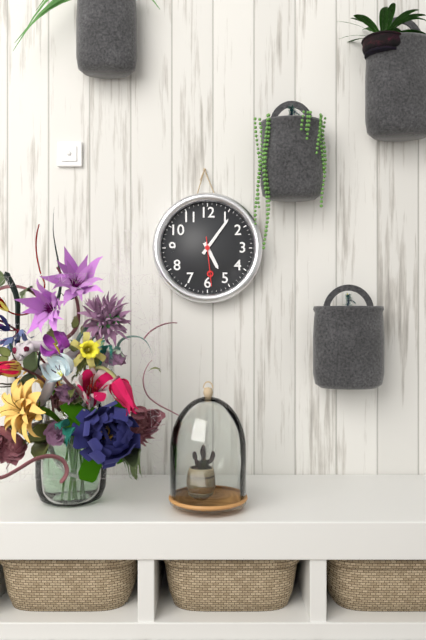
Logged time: **5:06**
